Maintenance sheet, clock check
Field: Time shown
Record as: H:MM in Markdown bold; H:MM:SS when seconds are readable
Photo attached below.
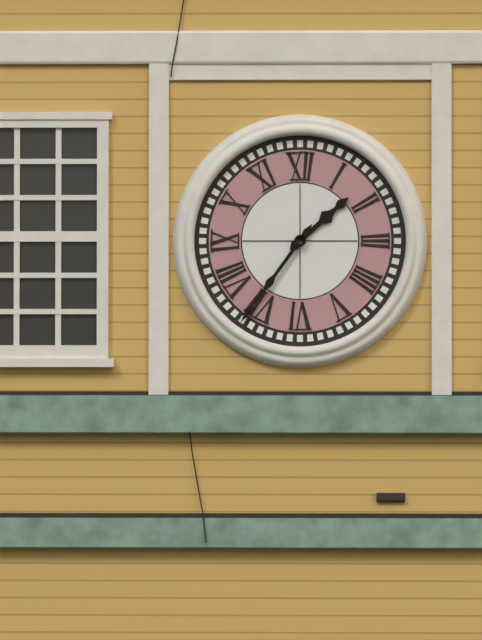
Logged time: **1:36**
